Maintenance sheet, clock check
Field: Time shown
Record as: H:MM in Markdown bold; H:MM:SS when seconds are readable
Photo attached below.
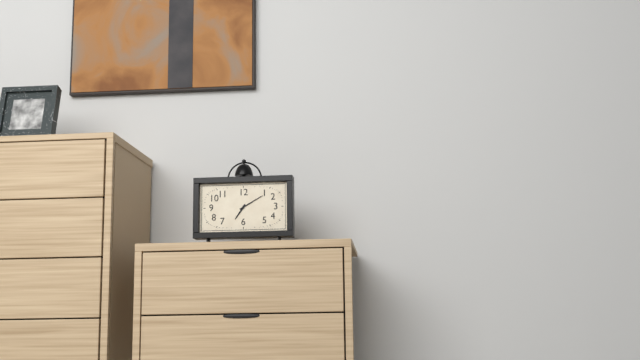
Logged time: **7:10**
